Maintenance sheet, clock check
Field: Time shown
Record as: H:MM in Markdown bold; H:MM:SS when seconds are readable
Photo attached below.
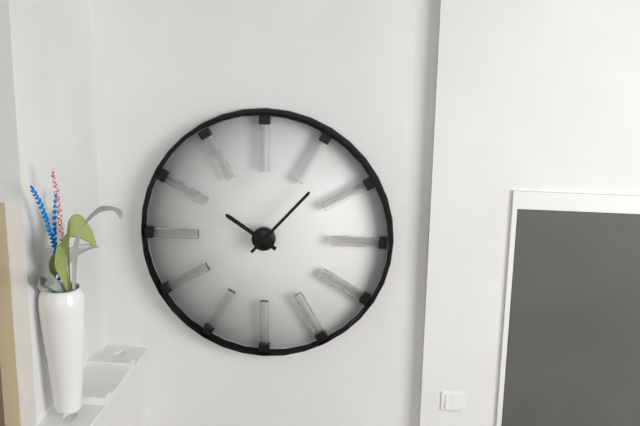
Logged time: **10:07**
